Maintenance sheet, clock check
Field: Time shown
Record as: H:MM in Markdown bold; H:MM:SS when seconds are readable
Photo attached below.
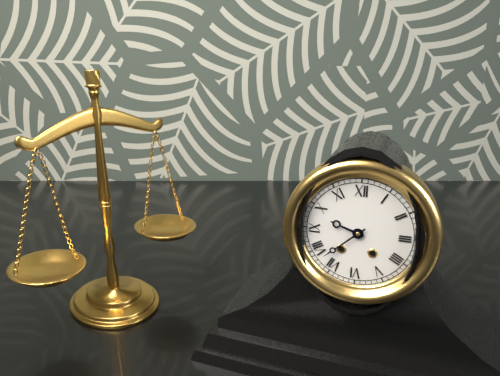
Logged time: **9:38**
